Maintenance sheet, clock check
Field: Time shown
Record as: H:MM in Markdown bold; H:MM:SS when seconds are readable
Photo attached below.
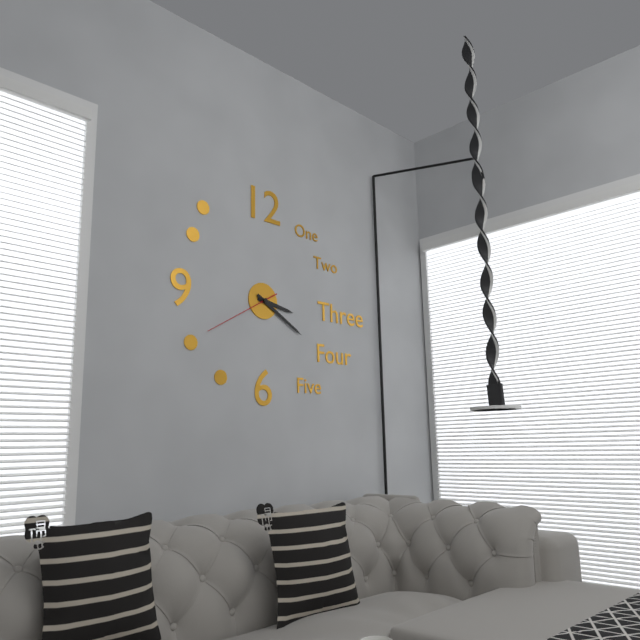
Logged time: **3:20:40**
